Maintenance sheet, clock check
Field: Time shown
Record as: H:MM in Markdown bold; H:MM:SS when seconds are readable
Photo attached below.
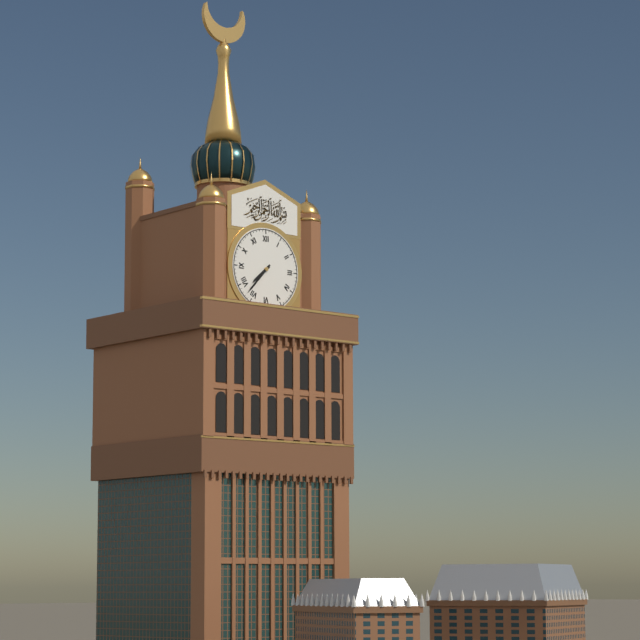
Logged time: **7:37**
